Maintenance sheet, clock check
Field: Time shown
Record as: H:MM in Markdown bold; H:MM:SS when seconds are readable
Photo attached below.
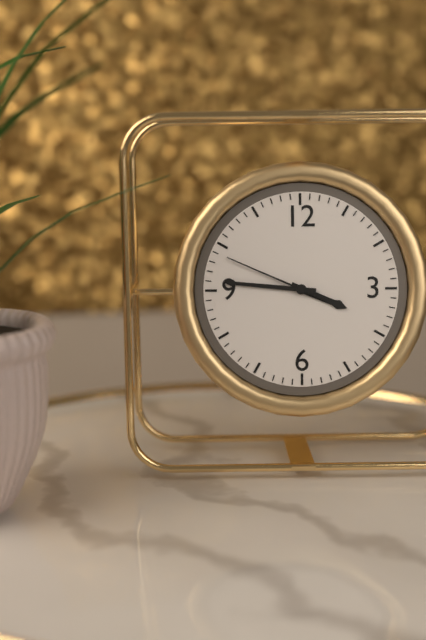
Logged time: **3:46:49**
